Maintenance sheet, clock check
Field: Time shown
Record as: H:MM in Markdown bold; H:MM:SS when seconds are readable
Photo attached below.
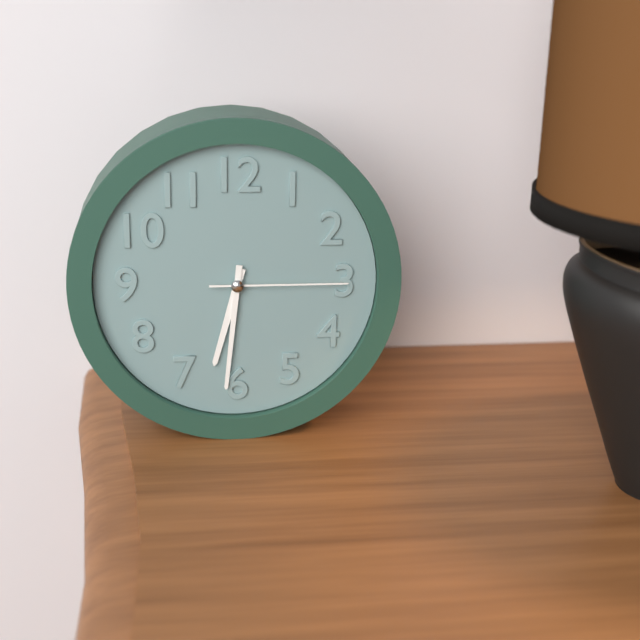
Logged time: **6:31:15**
